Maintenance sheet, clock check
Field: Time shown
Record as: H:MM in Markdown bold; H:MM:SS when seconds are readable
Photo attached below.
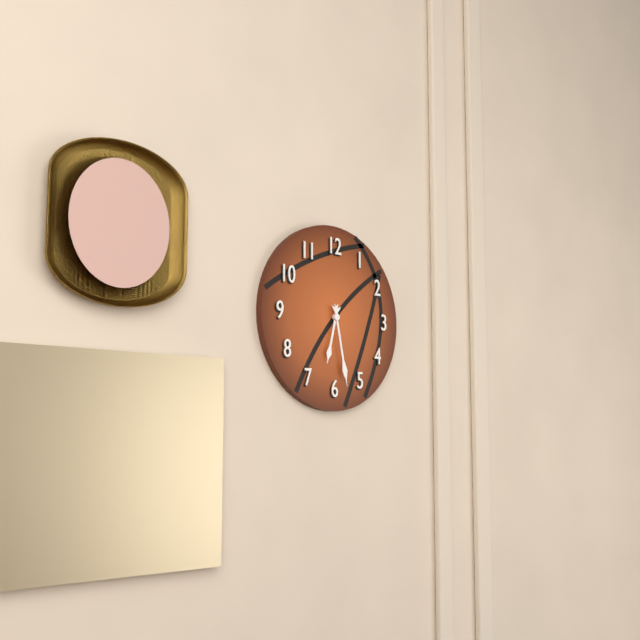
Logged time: **6:28**
